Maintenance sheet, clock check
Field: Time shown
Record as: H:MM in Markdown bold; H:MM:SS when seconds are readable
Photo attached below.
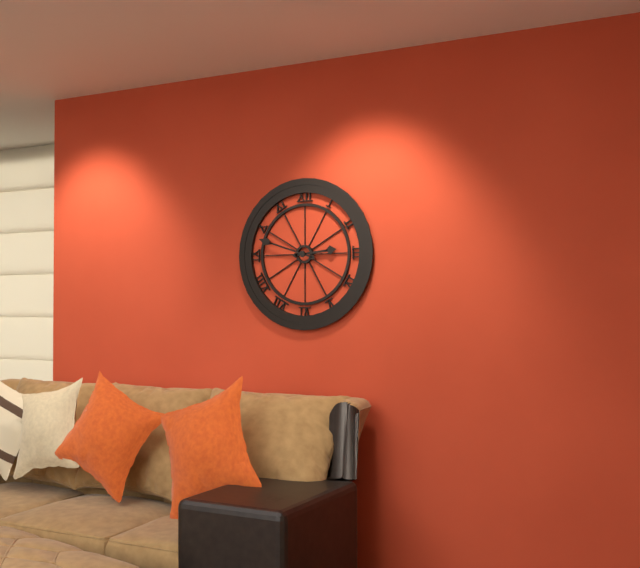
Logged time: **2:48**
